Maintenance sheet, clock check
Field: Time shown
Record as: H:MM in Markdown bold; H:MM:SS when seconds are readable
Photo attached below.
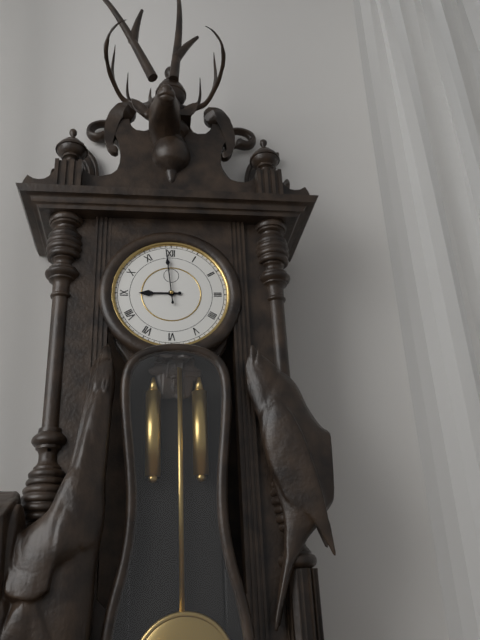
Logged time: **8:59**
